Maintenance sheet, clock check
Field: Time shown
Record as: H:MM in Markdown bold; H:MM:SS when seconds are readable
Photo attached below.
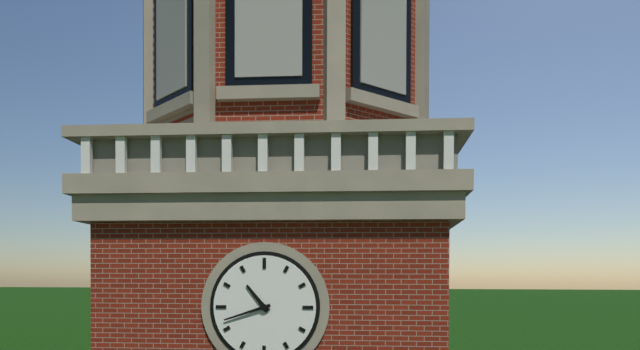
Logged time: **10:42**
